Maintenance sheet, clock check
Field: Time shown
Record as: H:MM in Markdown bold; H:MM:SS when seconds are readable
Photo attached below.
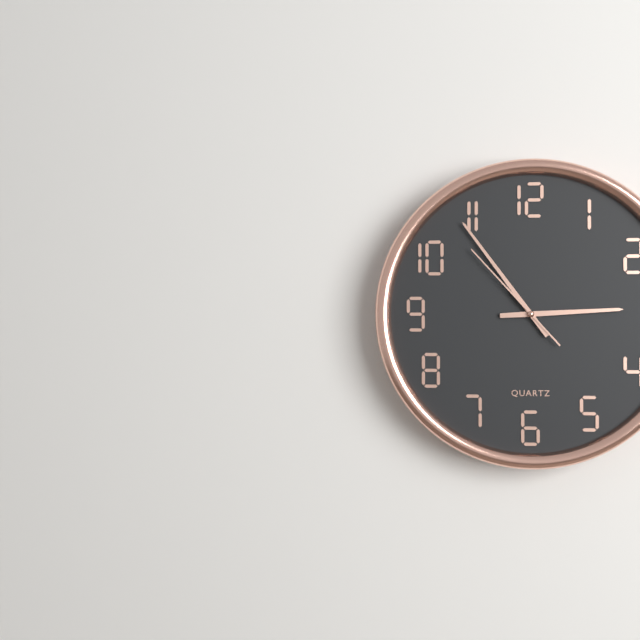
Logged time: **2:54:53**
